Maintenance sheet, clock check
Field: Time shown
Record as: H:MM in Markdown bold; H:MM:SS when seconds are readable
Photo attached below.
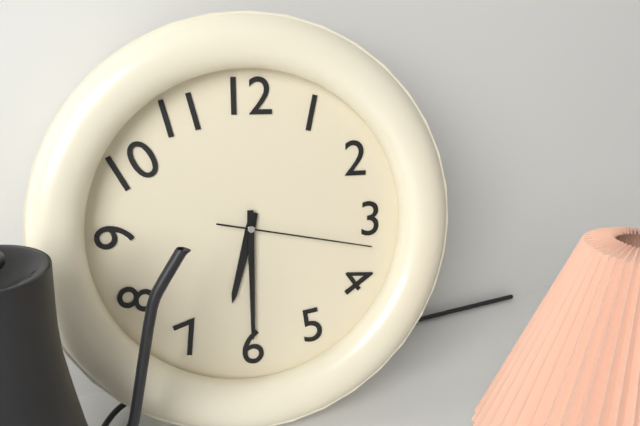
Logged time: **6:30:17**
